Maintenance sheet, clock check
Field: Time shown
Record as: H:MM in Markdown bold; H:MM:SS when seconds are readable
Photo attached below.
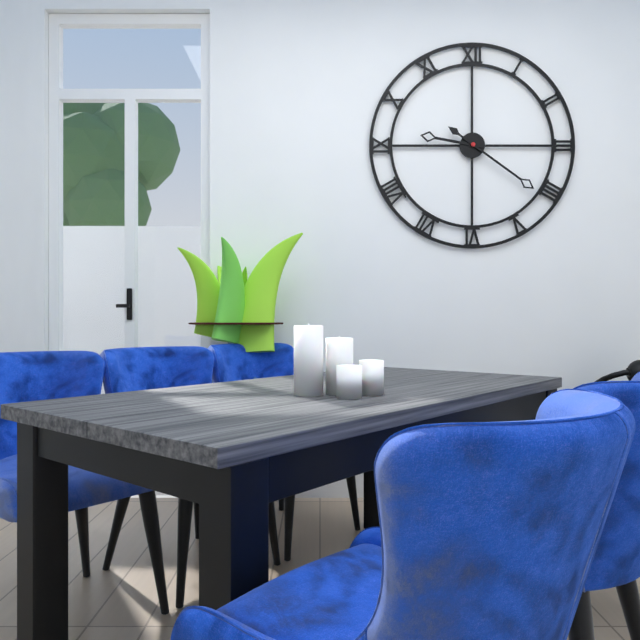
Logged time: **9:21**
